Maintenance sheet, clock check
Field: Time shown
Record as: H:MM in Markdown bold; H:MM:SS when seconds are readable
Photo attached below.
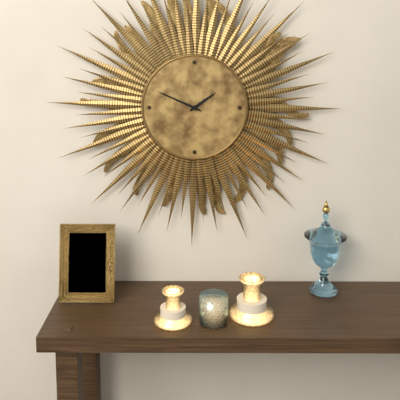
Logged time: **1:49**
